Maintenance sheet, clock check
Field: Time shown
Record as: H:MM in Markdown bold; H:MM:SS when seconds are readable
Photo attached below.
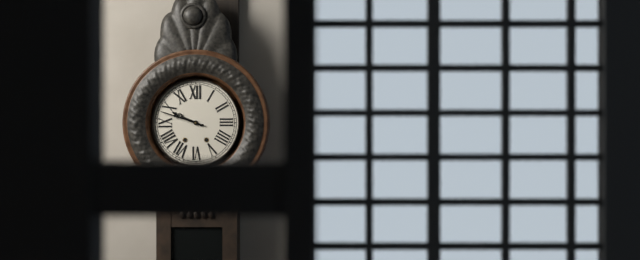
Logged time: **9:48**
